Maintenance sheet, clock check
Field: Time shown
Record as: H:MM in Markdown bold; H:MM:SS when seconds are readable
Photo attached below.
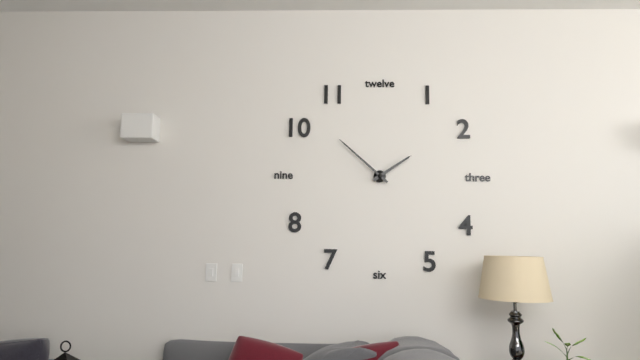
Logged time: **1:52**
